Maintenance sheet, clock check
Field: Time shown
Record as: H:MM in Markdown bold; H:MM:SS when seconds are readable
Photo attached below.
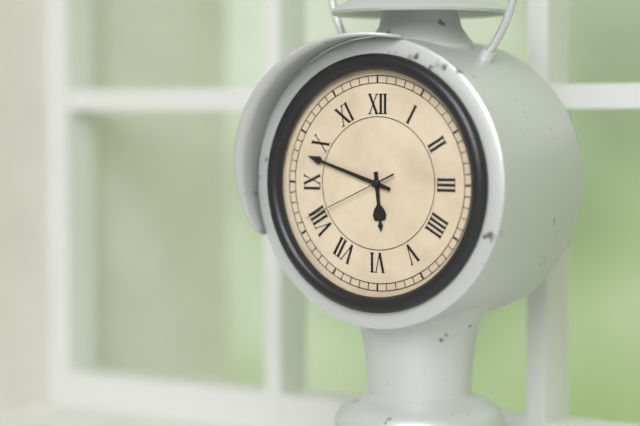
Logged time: **5:48:41**
